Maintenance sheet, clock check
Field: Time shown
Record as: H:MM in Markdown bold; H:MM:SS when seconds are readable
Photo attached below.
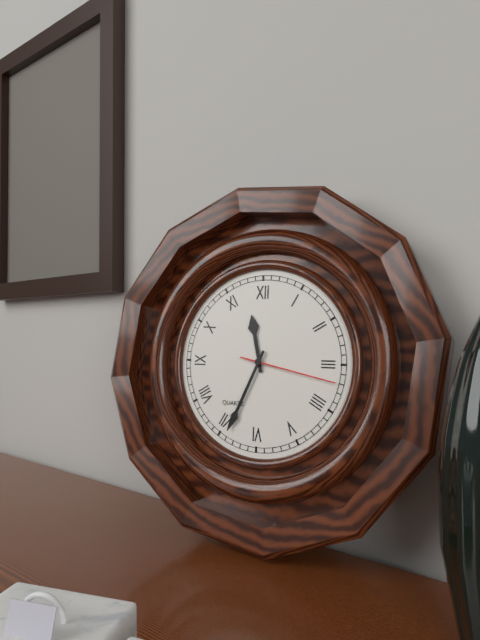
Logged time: **11:34:17**
